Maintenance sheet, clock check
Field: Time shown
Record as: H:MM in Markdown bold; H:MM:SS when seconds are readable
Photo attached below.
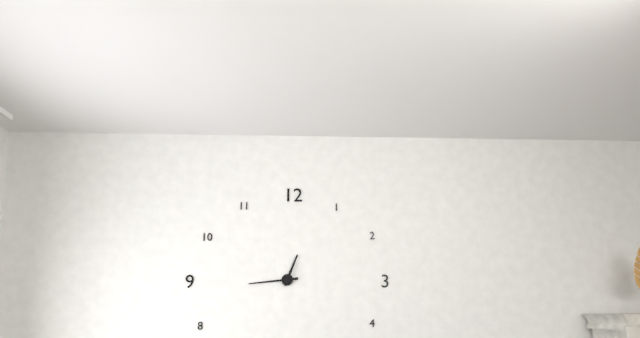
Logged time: **12:44**
